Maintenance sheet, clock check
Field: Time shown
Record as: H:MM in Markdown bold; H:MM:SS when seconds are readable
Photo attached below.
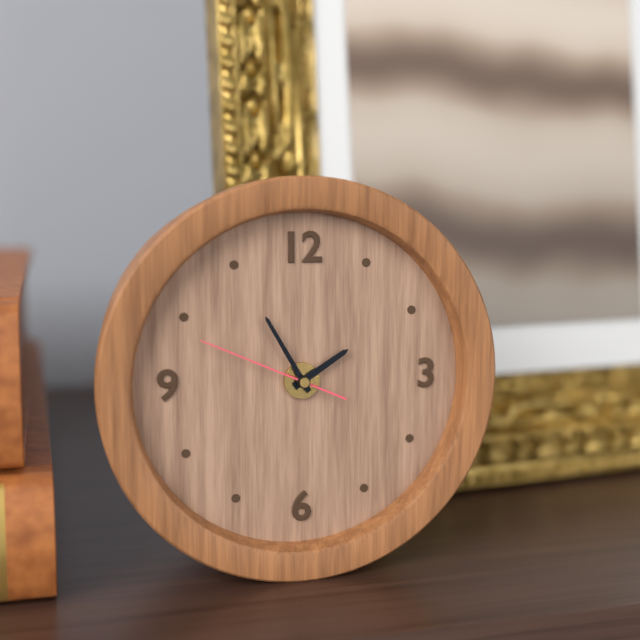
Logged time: **1:55:49**
